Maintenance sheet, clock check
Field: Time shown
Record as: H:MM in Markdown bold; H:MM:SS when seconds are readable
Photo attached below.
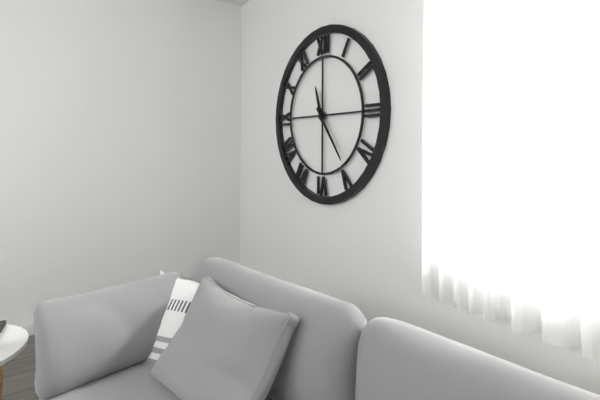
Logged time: **11:24**
